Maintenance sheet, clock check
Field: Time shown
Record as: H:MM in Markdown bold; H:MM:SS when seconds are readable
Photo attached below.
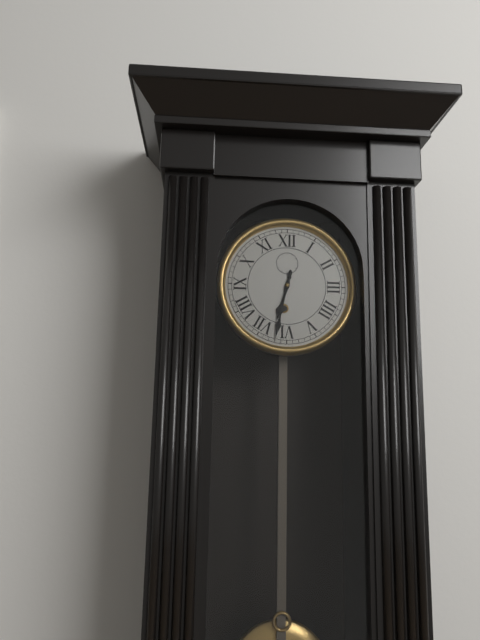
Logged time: **6:32**
